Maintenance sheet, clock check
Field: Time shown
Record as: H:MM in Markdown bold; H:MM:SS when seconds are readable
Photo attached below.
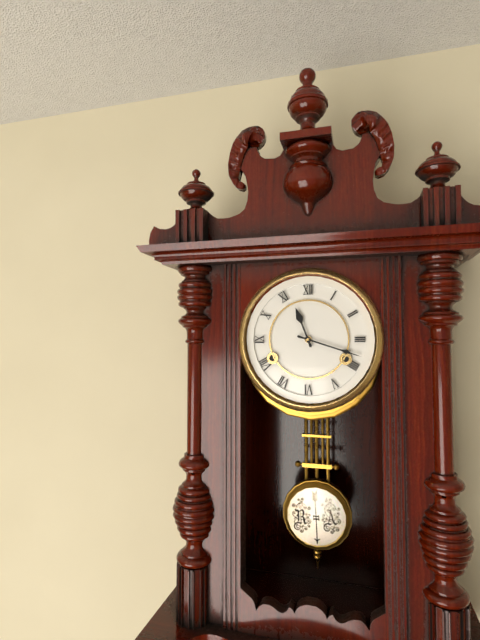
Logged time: **11:18**
